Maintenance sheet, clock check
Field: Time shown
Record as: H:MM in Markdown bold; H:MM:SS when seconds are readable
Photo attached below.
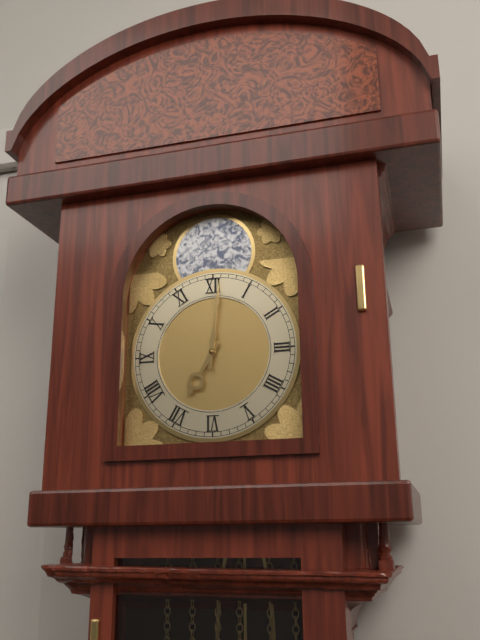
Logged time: **7:01**
